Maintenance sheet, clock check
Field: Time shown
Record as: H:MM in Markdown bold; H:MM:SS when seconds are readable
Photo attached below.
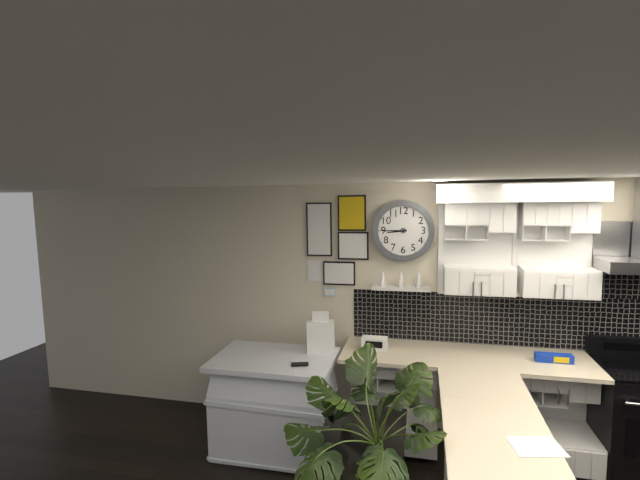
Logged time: **8:45**
